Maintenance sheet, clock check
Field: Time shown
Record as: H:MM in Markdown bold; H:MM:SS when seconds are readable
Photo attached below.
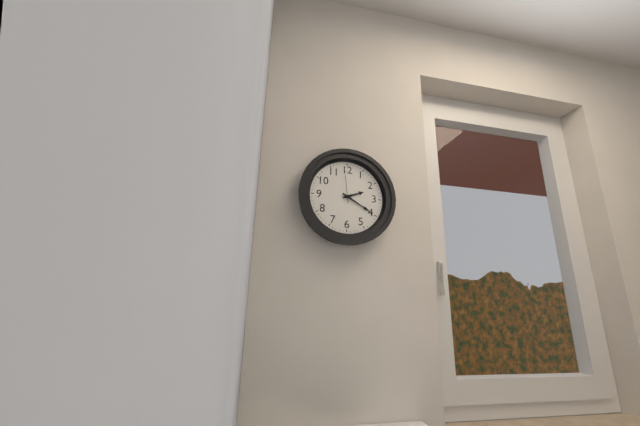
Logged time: **2:20**
